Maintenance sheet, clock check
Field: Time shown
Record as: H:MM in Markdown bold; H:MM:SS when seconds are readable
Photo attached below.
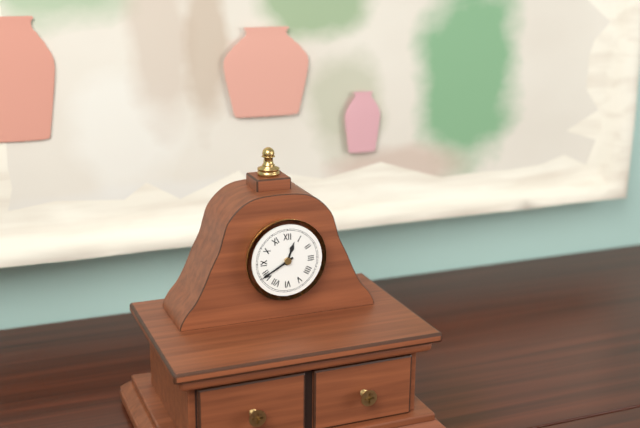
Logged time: **12:40**
